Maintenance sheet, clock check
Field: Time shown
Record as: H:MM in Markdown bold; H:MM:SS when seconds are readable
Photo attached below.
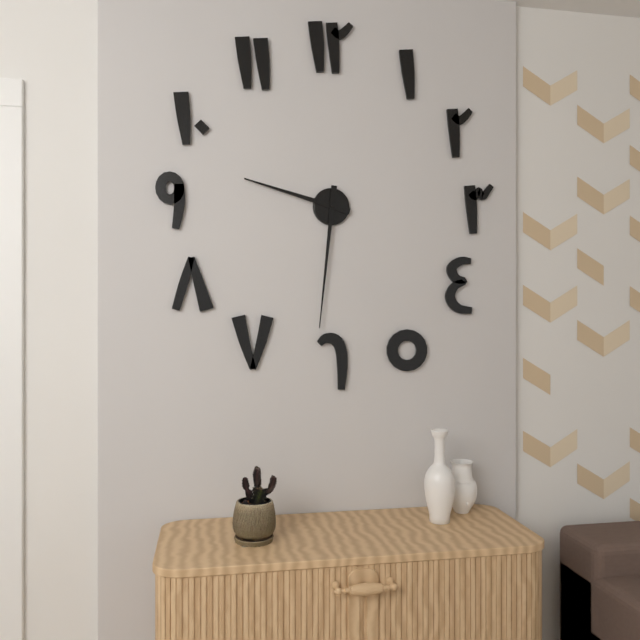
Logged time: **9:31**
